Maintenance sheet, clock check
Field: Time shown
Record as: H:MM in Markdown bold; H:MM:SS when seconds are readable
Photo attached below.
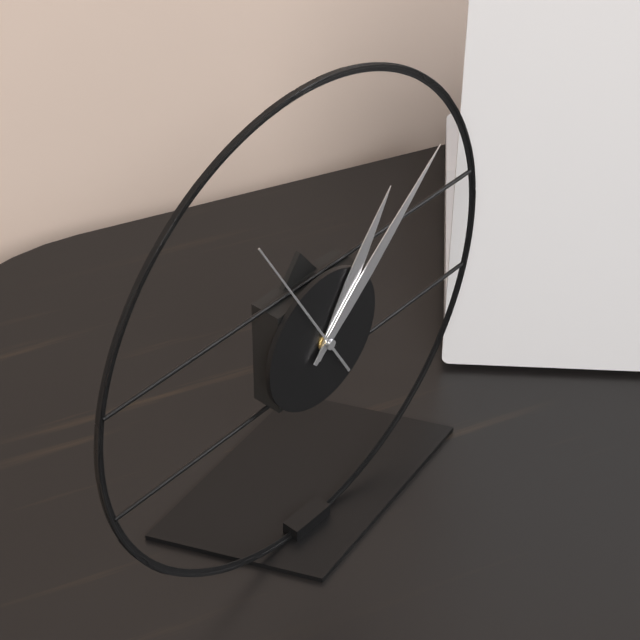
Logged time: **1:08:55**
